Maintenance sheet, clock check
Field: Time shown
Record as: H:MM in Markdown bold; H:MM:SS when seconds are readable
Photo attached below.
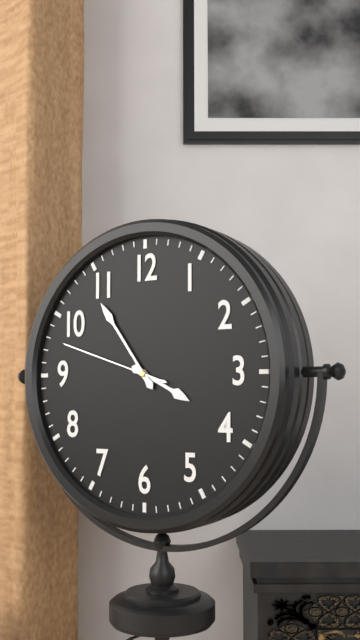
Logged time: **3:54:48**
